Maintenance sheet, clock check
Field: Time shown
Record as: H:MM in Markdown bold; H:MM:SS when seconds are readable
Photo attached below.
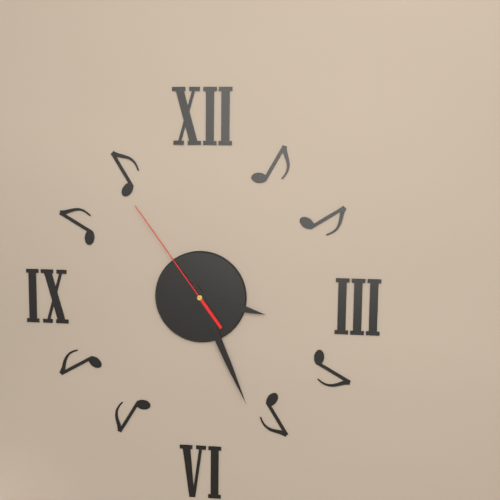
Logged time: **3:26:54**
